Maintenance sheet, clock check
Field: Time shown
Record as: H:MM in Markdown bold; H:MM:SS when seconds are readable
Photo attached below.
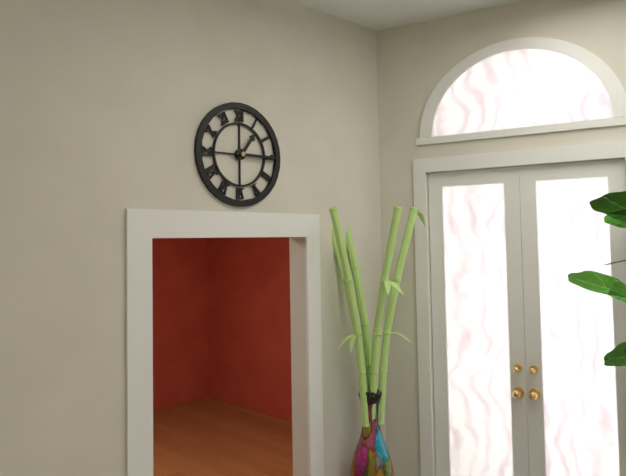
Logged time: **1:15**
